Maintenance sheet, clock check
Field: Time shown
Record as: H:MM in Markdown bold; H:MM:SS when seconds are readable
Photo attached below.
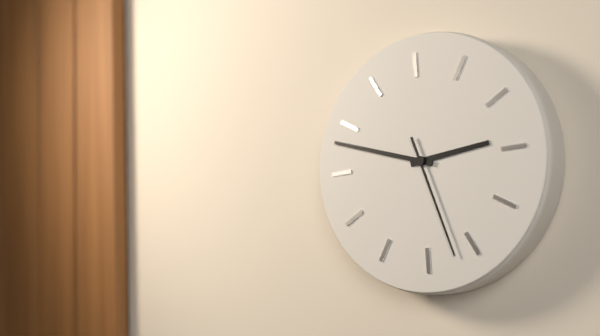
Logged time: **2:48:27**
